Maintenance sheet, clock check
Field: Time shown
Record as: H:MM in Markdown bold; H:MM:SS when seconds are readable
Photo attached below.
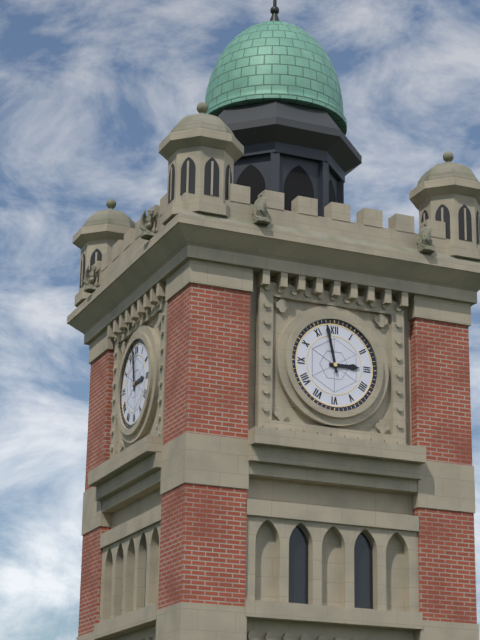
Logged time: **2:58**
